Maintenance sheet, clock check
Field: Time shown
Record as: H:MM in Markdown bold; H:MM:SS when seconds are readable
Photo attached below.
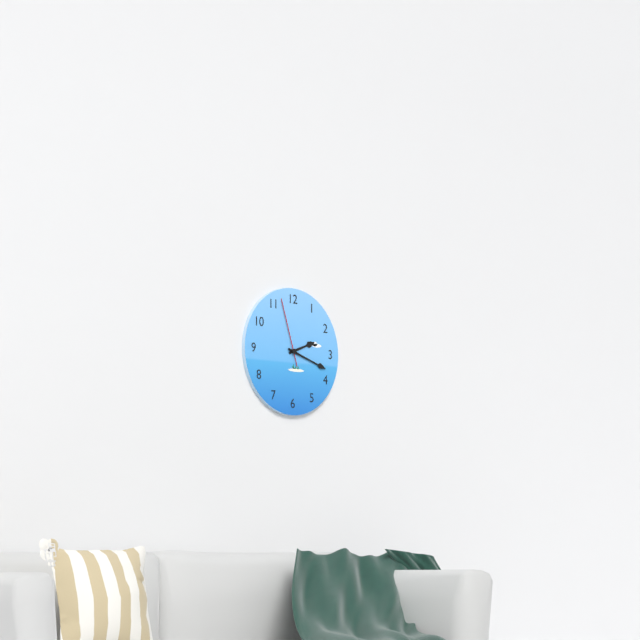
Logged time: **2:18:57**
